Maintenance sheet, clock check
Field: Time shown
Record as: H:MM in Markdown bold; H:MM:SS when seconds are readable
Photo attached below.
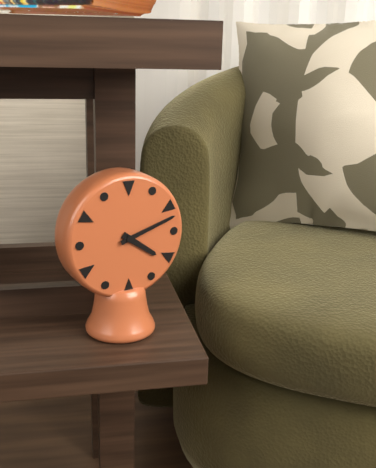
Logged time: **4:12**
